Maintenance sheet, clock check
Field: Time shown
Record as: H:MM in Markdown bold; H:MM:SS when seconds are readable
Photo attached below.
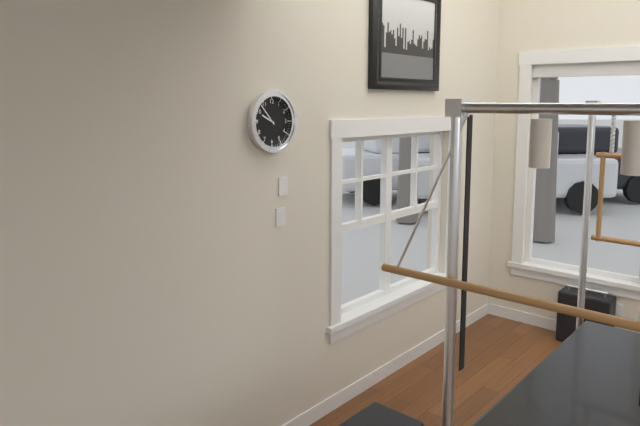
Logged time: **9:53**
